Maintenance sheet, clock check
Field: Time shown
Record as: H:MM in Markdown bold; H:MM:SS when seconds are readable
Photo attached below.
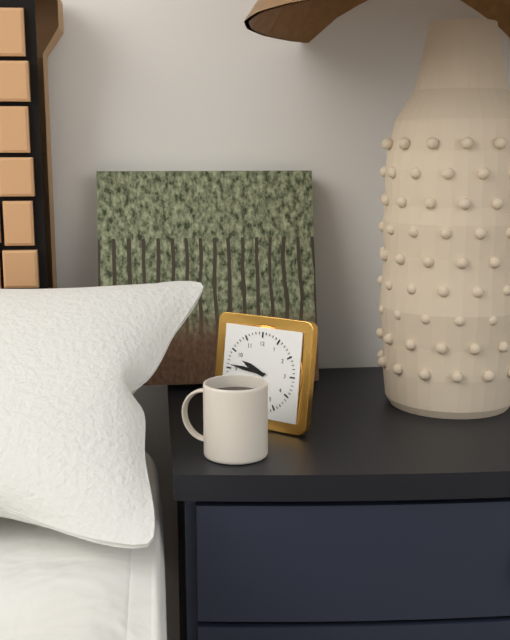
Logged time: **9:46**
